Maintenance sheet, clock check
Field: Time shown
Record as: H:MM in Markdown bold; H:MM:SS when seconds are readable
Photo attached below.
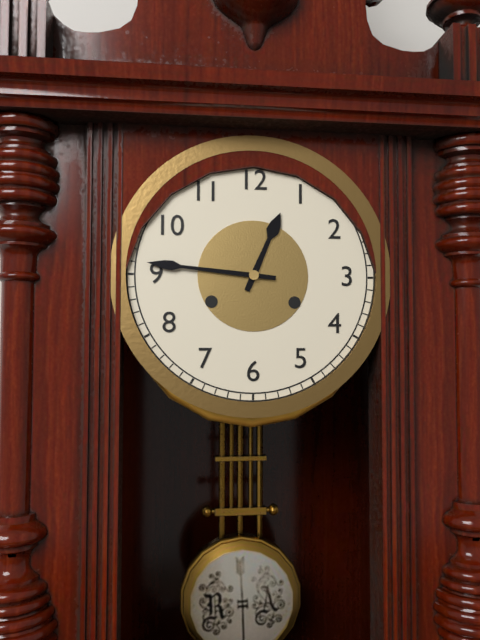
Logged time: **12:46**
